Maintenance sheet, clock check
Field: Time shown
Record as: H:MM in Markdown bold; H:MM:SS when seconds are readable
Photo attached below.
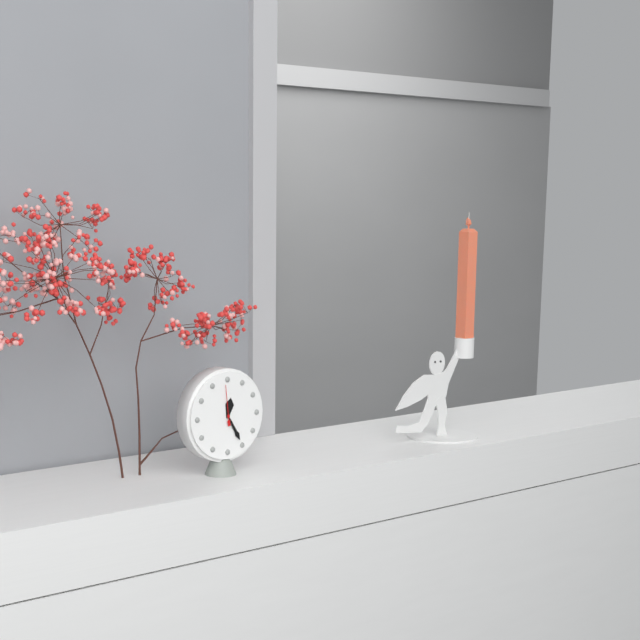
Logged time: **12:25**
